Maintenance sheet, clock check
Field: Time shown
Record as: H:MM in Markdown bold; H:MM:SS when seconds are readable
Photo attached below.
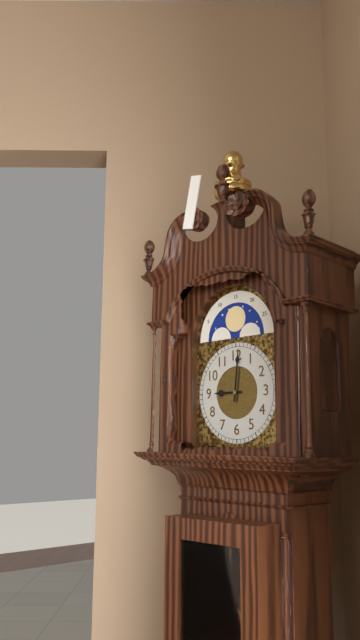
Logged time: **9:01**
